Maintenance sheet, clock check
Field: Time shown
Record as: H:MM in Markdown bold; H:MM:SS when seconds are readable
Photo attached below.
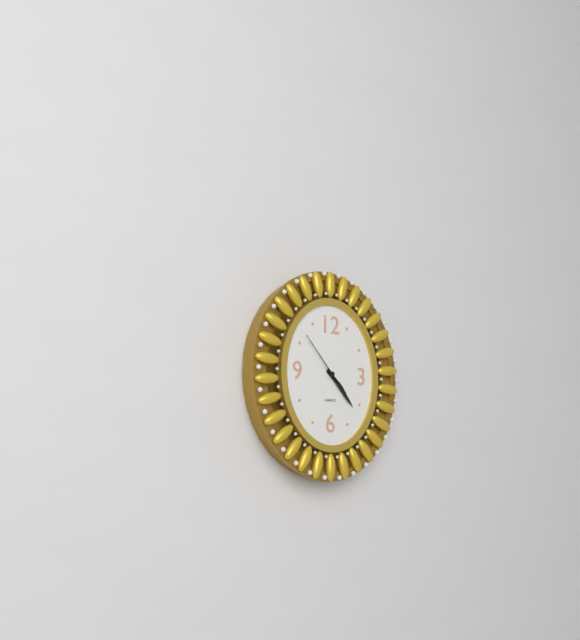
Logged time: **4:23:53**
